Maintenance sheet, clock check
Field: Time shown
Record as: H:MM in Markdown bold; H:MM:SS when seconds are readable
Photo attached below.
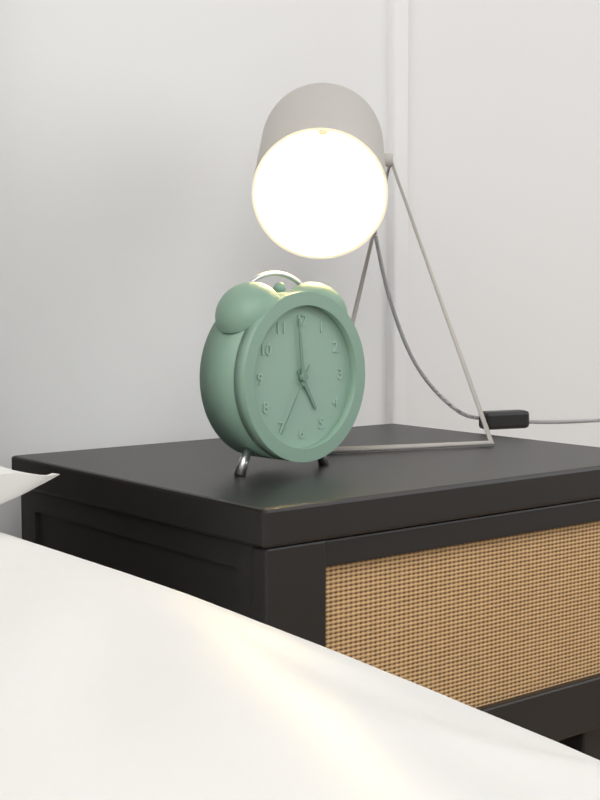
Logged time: **4:59:35**
